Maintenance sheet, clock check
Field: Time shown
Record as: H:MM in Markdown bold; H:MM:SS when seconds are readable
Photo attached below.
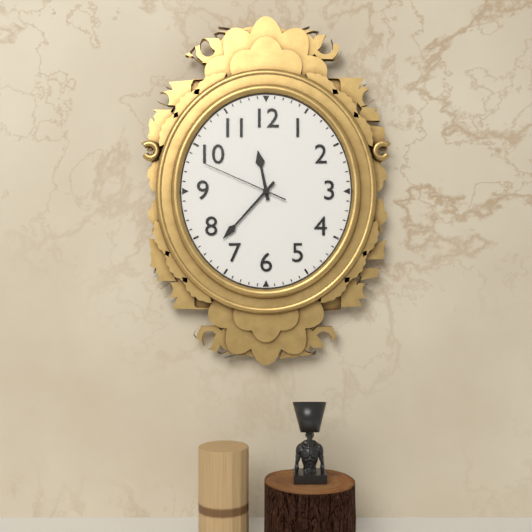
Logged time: **11:37:49**
